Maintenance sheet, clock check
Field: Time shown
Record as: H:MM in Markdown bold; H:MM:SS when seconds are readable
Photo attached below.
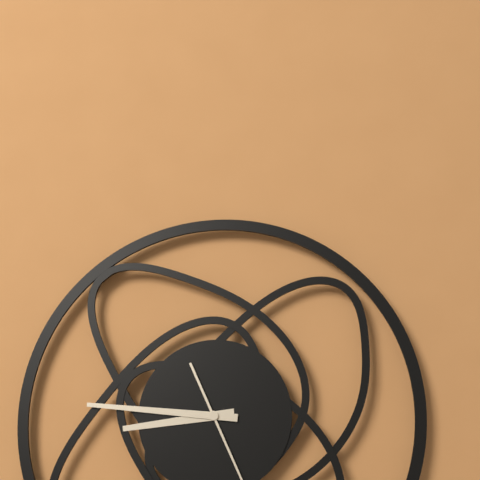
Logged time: **8:46**
